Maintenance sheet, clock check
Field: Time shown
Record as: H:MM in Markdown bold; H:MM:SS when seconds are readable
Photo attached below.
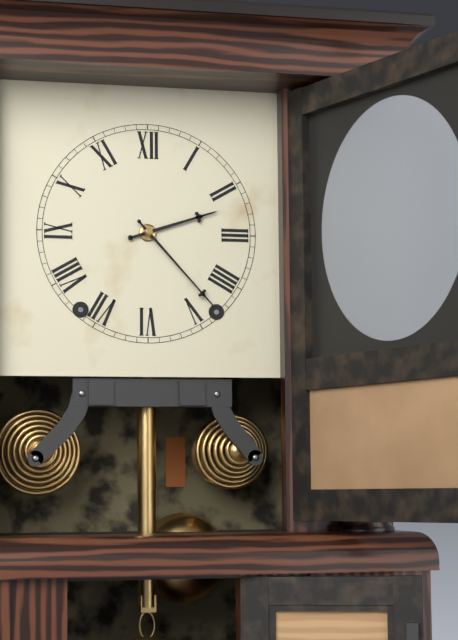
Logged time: **2:23**
